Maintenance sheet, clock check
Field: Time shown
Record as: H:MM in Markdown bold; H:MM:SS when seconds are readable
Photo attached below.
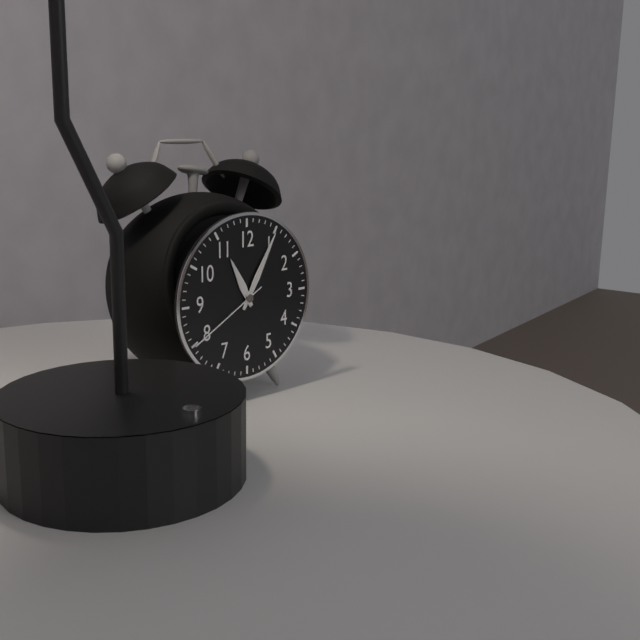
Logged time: **11:05:40**
